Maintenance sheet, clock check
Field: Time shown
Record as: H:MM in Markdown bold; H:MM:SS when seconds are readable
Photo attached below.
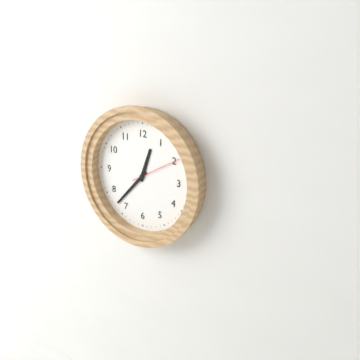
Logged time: **12:37:10**
